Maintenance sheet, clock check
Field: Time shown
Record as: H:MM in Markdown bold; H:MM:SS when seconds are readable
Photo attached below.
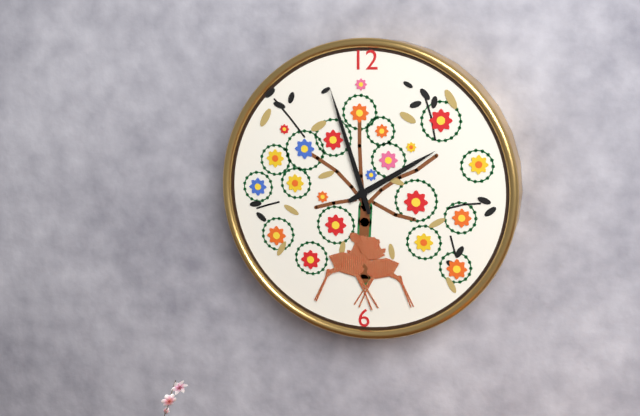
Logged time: **1:57**
